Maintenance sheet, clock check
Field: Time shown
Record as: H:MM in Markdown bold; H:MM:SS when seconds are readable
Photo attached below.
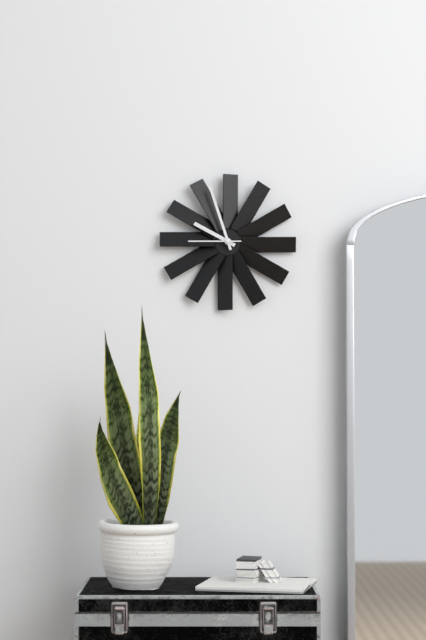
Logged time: **9:57**
